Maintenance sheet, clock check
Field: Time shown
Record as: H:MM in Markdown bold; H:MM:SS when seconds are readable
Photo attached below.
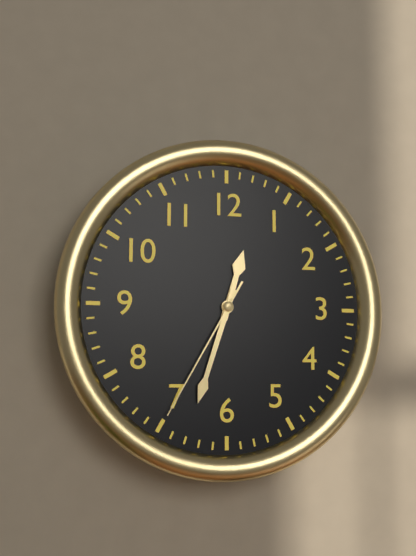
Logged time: **12:33:35**
